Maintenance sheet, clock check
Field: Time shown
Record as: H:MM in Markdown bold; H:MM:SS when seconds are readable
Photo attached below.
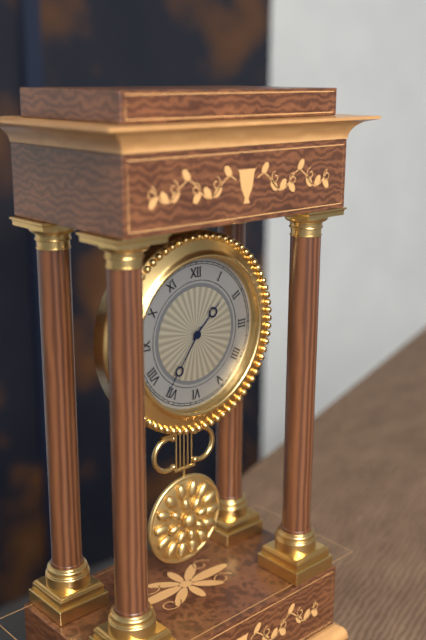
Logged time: **1:36**
